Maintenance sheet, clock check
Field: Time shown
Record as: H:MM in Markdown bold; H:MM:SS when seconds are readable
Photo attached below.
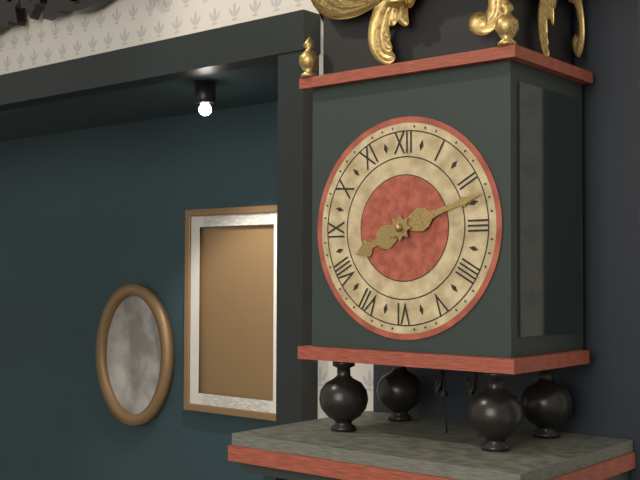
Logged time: **8:12**
